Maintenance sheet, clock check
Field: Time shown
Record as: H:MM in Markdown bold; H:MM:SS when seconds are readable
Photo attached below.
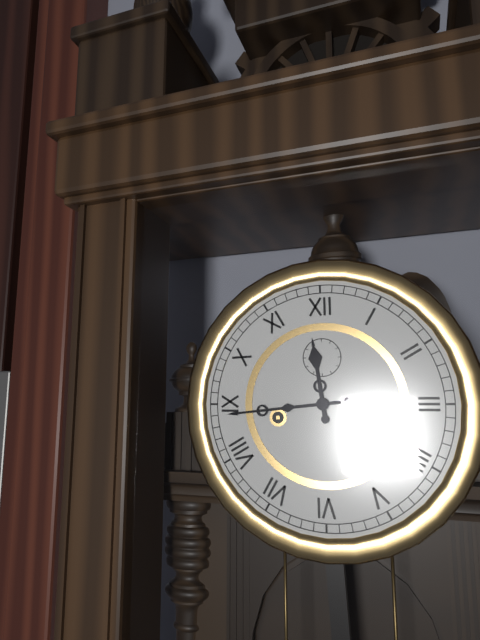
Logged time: **11:44**
